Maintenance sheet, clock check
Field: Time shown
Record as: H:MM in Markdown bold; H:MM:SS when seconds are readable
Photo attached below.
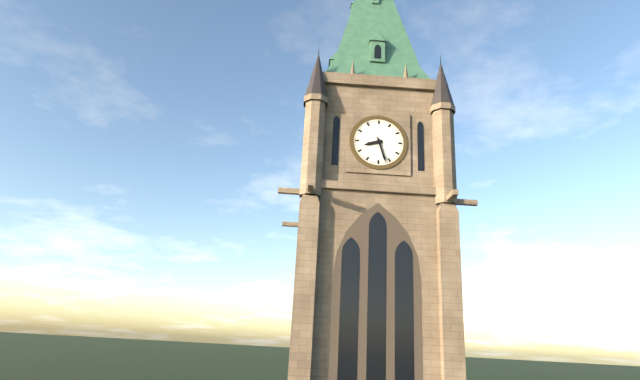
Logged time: **8:27**
